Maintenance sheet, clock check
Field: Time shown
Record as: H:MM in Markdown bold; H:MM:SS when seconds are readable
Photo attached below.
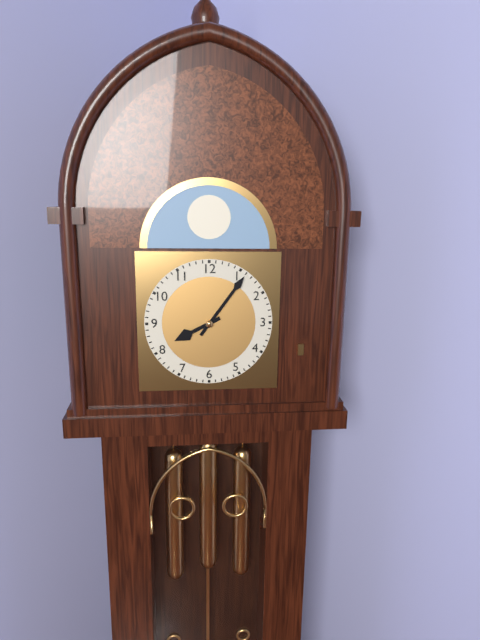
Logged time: **8:06**
